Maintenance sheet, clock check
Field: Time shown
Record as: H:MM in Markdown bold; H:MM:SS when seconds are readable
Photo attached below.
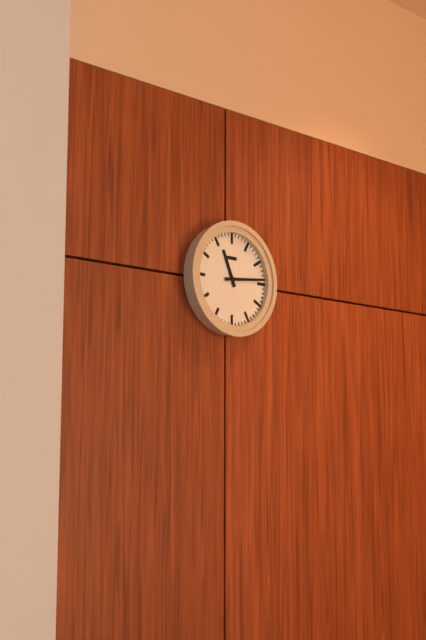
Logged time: **11:14**
